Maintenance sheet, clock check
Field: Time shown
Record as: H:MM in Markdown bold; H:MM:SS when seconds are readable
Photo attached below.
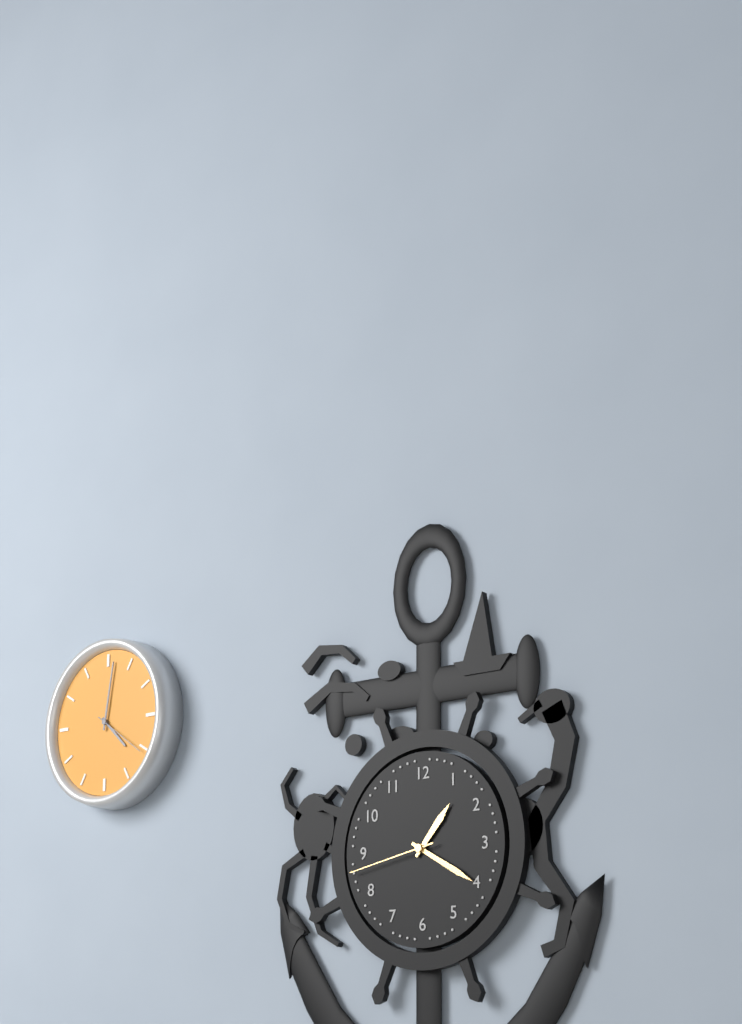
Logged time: **1:20:43**
